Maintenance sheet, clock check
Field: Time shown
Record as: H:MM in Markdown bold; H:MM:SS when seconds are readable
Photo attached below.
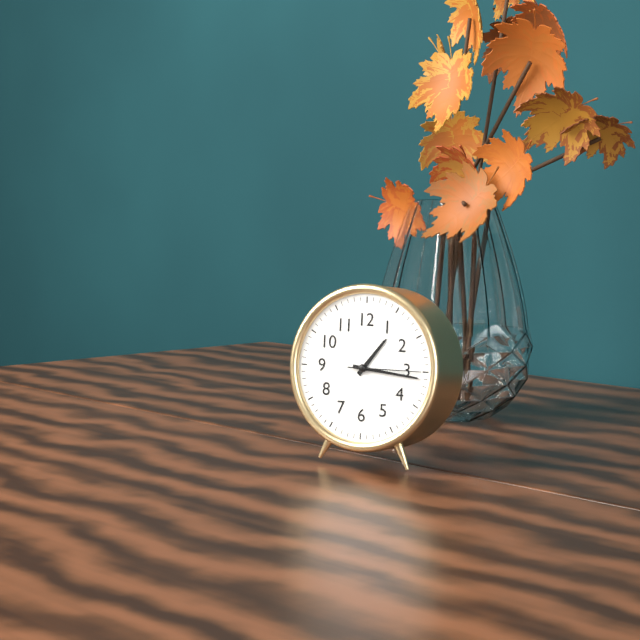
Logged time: **1:16:15**
